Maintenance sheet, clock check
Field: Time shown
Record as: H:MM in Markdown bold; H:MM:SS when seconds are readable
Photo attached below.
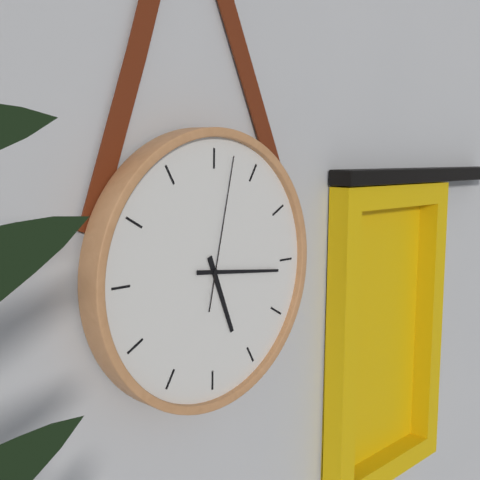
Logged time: **5:16:02**
